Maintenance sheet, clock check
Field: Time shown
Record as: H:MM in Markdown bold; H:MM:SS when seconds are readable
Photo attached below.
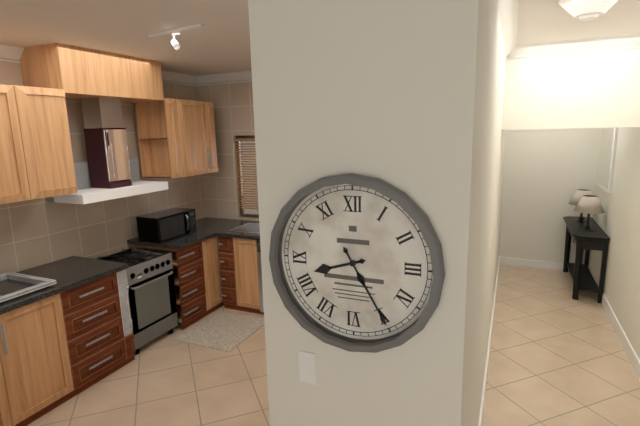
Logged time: **8:25**
